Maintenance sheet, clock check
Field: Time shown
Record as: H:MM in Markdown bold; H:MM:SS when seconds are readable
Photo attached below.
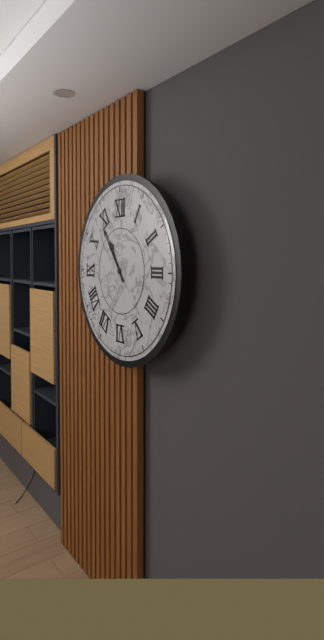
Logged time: **10:54**
